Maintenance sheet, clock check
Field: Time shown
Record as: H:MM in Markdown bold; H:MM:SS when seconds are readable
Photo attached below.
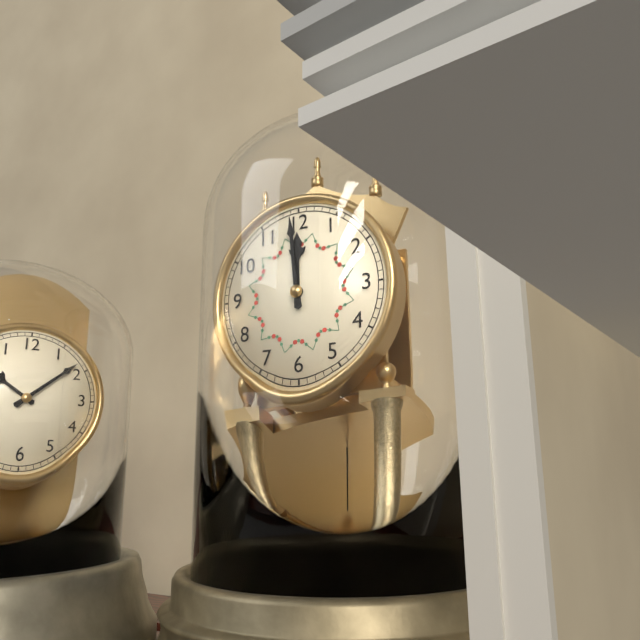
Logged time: **11:59**
